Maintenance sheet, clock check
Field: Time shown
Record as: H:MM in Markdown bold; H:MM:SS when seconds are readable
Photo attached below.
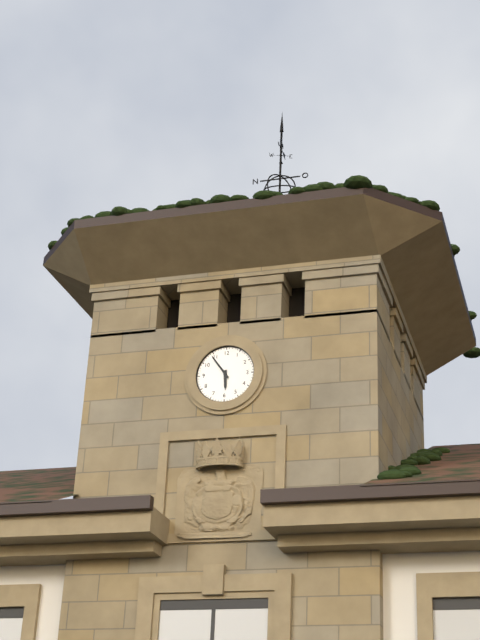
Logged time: **5:54**
